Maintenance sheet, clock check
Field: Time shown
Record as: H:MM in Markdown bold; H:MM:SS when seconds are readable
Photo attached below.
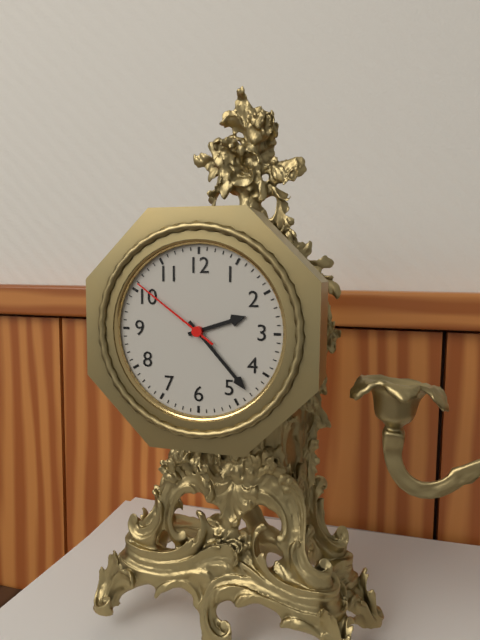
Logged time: **2:23:51**
